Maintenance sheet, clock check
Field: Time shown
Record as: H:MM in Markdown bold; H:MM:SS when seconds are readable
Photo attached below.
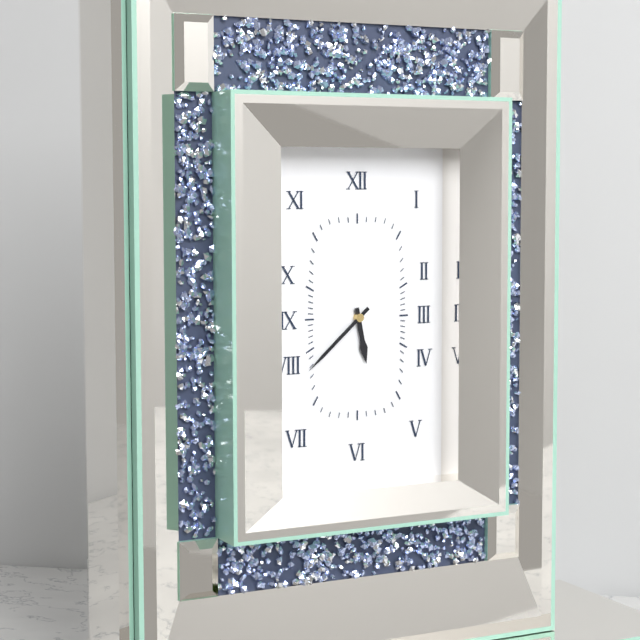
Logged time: **5:38**
